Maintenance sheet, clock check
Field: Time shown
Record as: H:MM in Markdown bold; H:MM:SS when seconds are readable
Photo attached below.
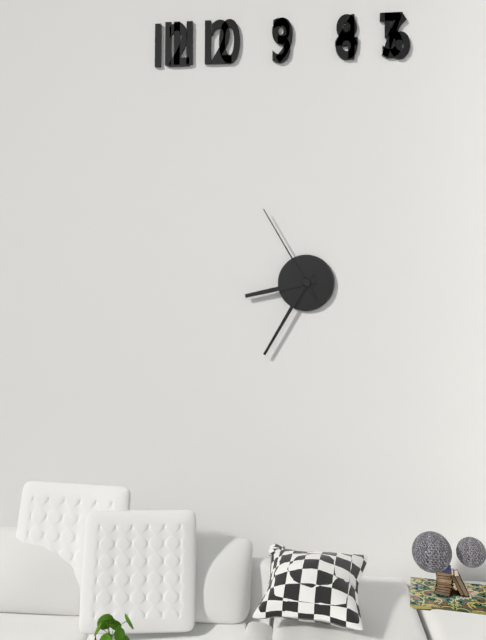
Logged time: **8:35:55**
